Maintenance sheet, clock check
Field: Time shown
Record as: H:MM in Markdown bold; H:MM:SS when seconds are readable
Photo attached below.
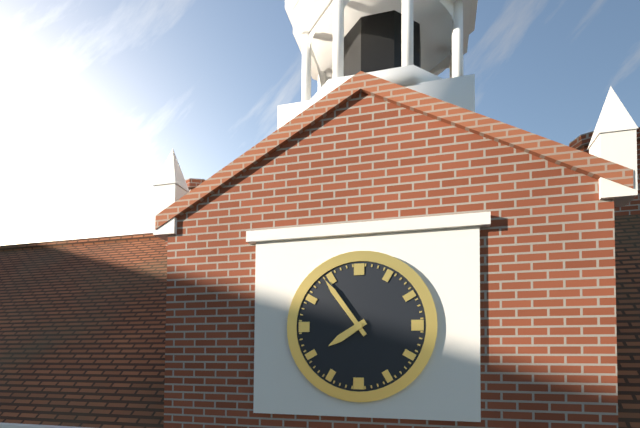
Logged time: **7:54**
